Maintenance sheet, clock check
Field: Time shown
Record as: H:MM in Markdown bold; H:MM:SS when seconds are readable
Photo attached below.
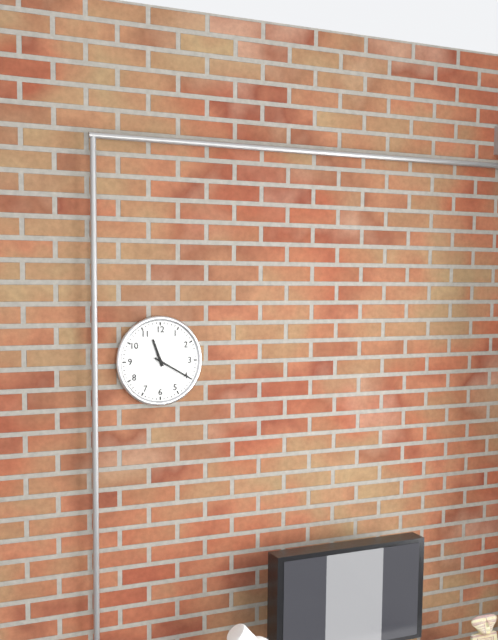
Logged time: **11:20**
